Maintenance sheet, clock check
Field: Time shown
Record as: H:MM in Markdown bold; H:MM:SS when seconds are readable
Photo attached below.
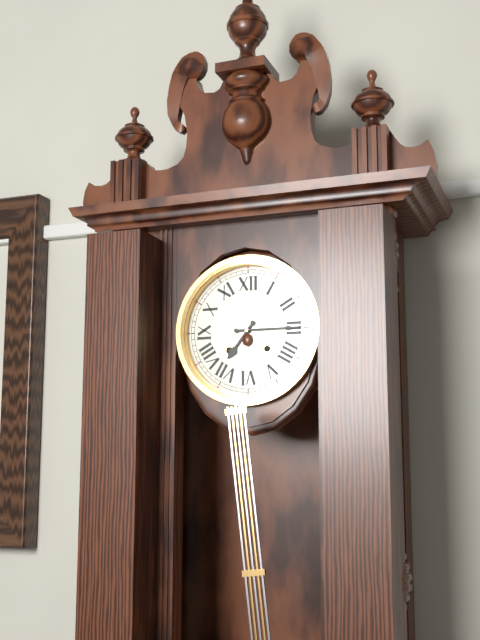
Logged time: **7:15**
